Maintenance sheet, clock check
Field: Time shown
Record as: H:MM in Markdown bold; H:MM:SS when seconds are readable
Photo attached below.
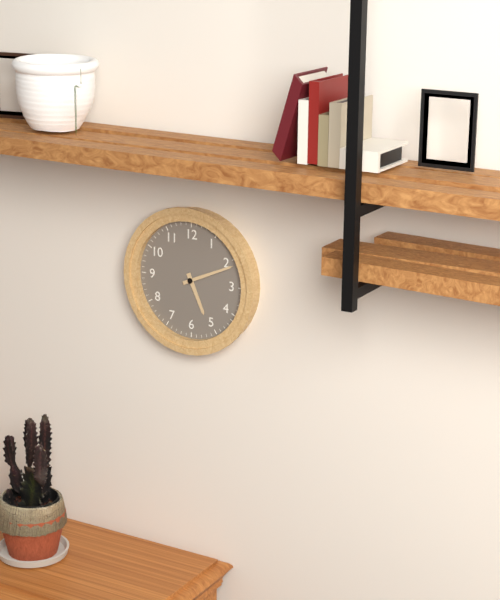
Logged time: **5:11**
